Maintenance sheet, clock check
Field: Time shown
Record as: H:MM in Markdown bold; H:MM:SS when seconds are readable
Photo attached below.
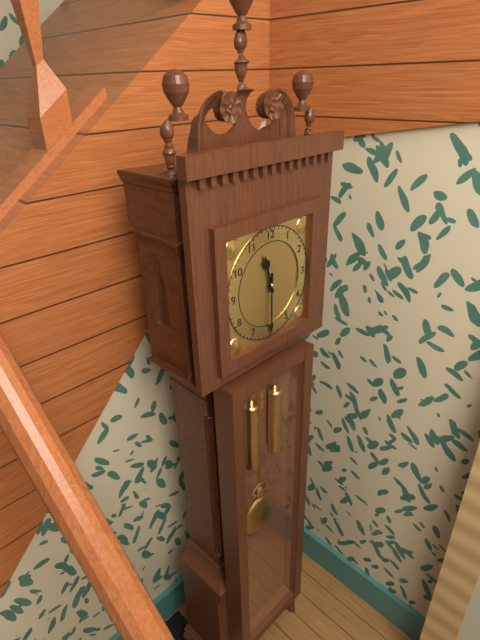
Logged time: **11:30**
